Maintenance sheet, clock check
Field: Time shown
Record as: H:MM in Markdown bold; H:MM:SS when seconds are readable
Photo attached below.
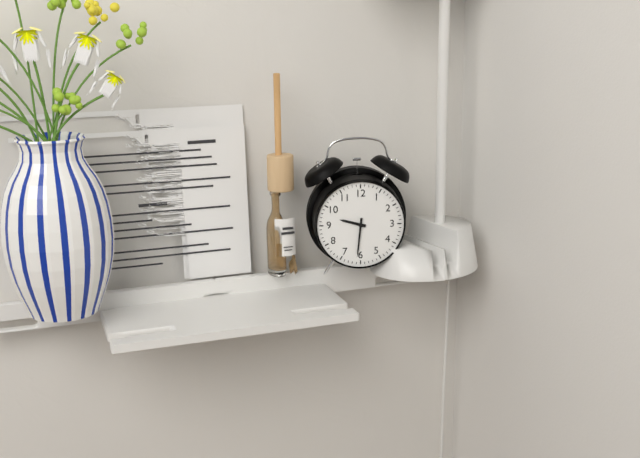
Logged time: **9:31**
